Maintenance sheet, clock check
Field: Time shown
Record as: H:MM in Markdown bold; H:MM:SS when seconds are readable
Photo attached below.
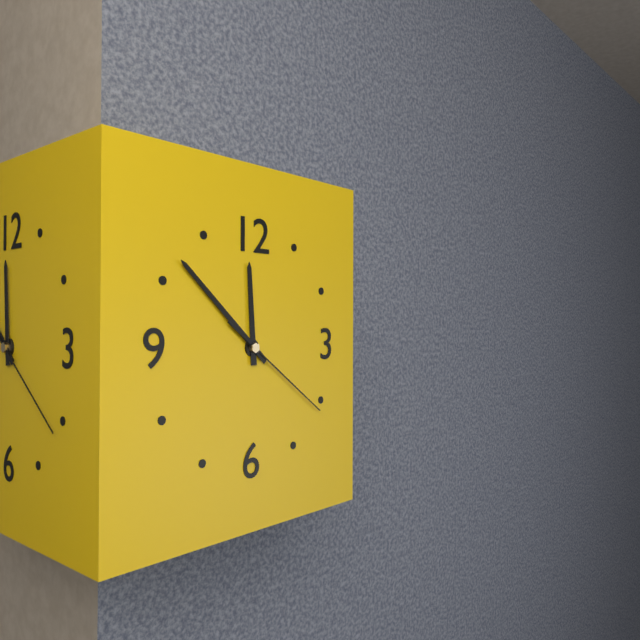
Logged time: **11:52:21**
